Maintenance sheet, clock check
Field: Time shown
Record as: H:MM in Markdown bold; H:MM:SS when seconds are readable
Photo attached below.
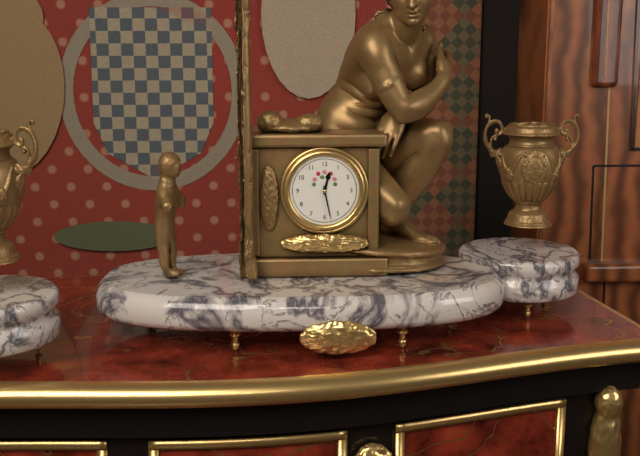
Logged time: **12:28**
